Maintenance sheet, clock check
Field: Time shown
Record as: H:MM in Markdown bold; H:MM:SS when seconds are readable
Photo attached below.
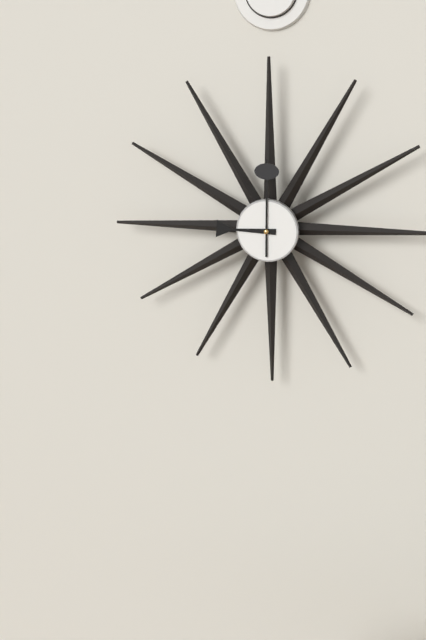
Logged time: **9:00**
